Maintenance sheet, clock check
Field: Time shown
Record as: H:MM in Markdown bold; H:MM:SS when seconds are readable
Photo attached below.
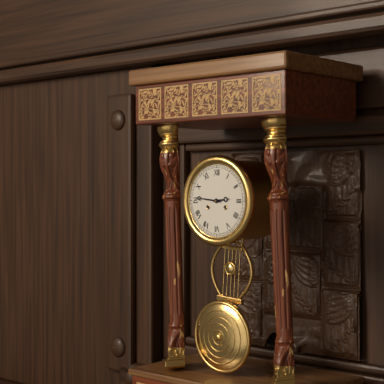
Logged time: **2:46**
